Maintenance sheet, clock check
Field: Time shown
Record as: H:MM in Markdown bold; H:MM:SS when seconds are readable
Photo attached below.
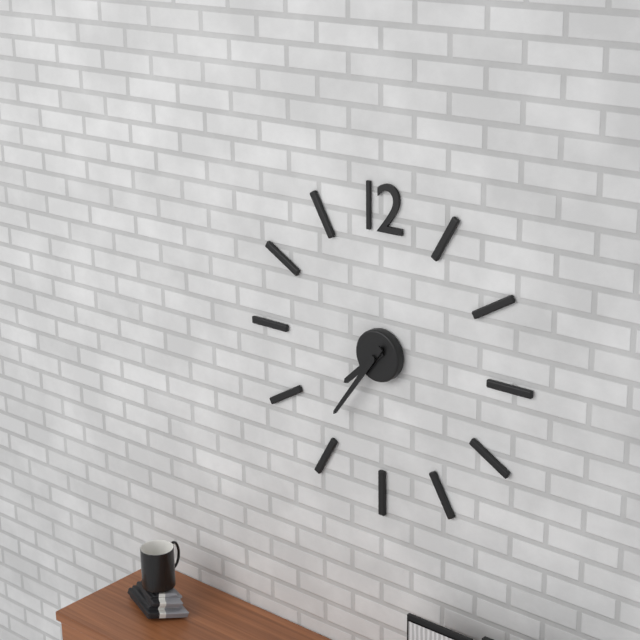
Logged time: **7:36**
